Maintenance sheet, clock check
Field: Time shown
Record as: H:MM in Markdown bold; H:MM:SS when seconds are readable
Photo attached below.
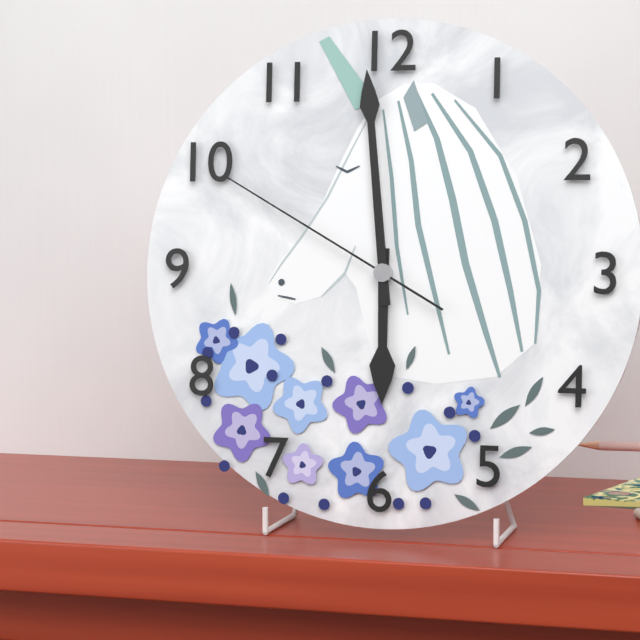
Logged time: **5:59:50**
